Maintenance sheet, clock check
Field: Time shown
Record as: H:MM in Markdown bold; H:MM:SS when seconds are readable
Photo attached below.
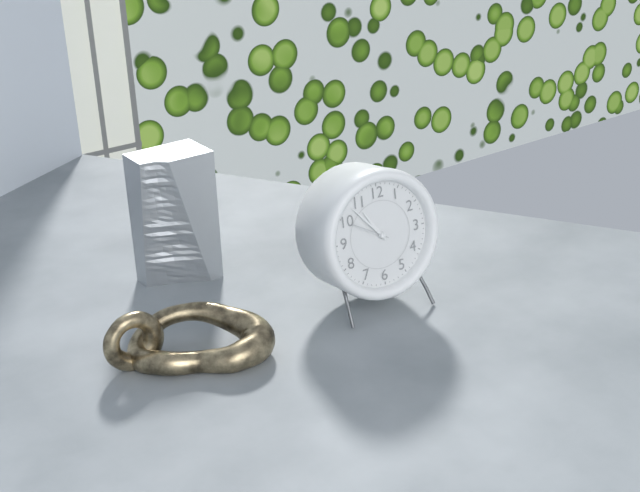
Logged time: **10:53**
